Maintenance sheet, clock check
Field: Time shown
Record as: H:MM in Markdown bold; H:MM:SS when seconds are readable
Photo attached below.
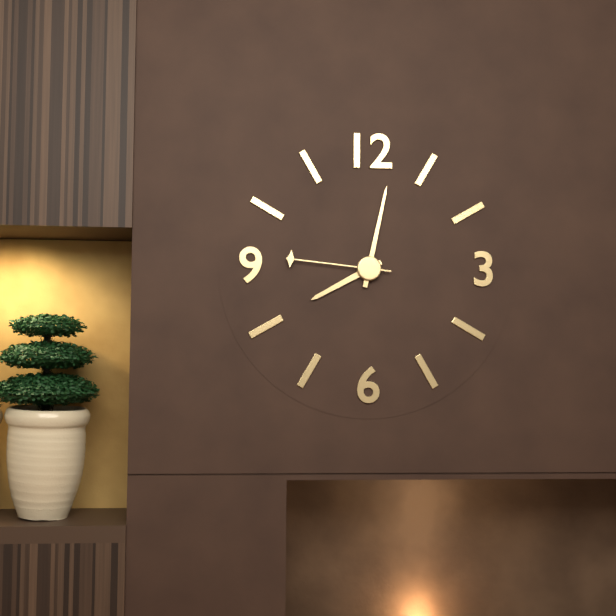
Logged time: **8:02:46**
